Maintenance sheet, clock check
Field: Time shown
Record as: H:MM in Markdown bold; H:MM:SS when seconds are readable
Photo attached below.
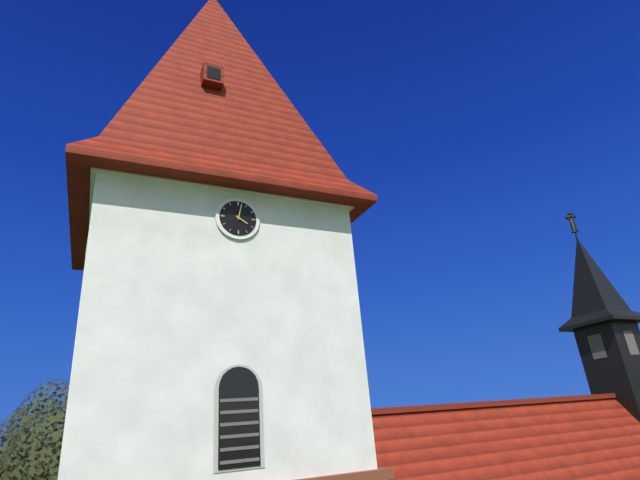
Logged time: **4:02**
